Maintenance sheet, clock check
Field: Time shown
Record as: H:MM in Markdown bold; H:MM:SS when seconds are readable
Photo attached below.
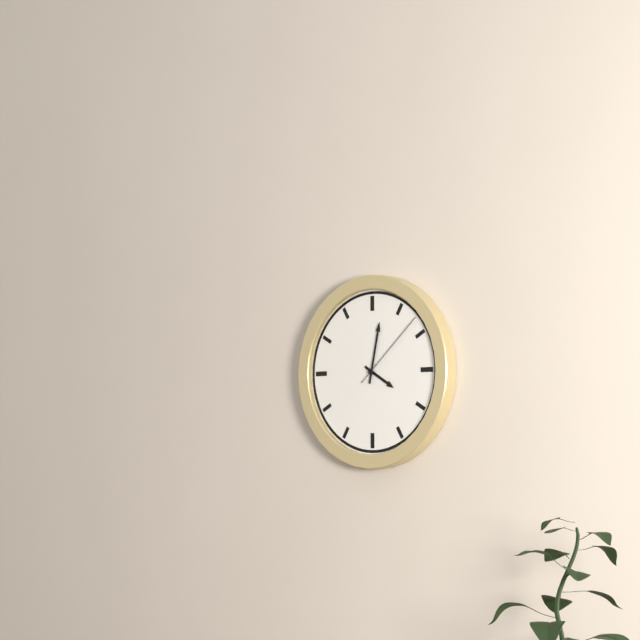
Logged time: **4:02:08**
